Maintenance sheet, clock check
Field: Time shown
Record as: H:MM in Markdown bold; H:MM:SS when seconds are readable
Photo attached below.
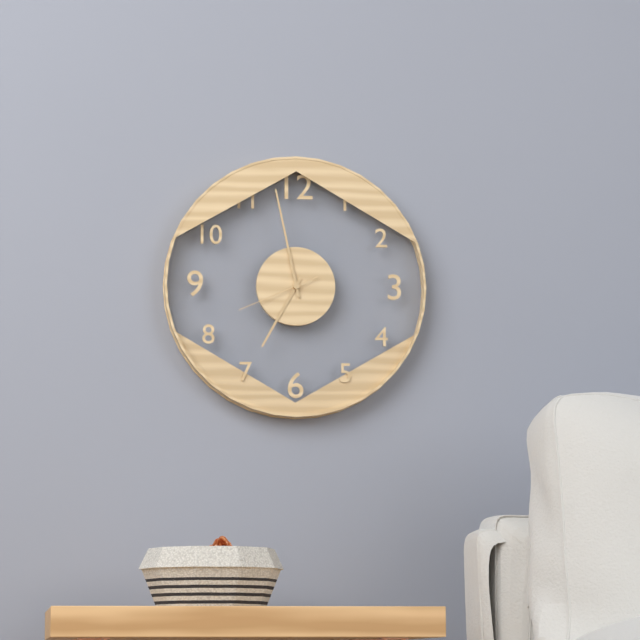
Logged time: **6:58:41**
